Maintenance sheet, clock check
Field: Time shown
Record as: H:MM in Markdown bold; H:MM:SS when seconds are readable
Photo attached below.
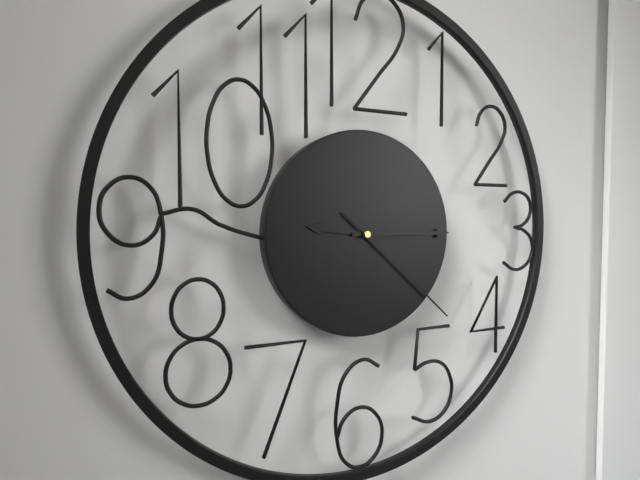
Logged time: **9:15:22**
